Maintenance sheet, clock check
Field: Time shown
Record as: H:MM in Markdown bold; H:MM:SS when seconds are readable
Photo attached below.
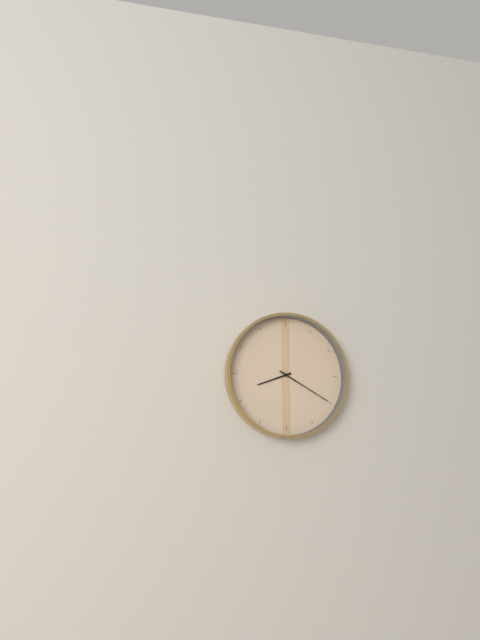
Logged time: **8:20**
